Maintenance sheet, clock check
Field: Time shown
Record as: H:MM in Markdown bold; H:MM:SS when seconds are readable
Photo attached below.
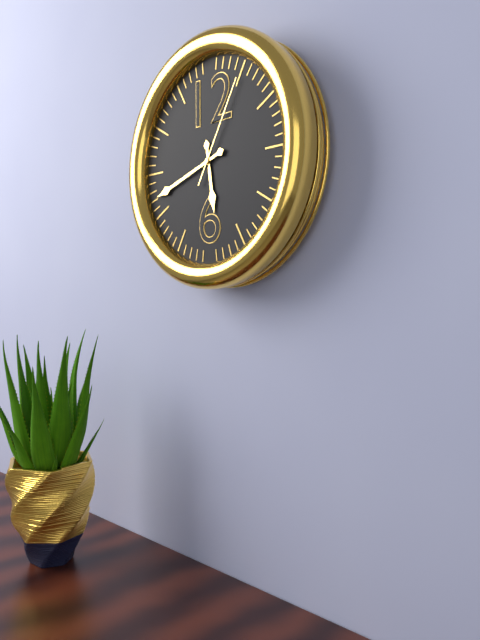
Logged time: **5:42:05**
